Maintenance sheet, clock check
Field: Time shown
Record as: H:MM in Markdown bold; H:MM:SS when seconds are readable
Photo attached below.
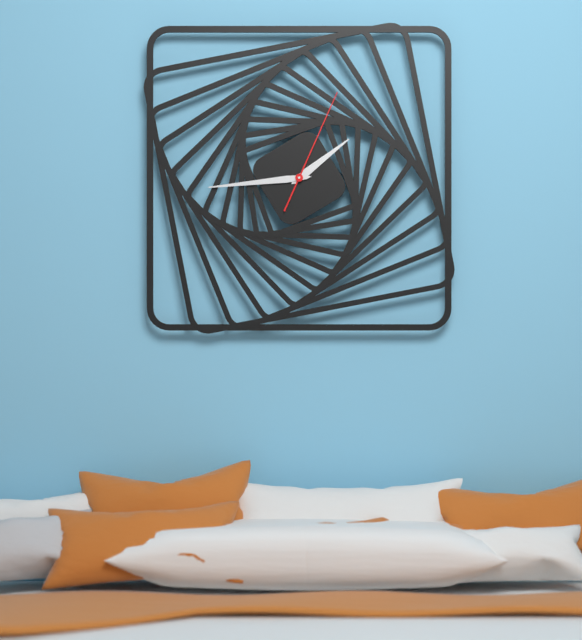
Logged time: **1:44:04**
